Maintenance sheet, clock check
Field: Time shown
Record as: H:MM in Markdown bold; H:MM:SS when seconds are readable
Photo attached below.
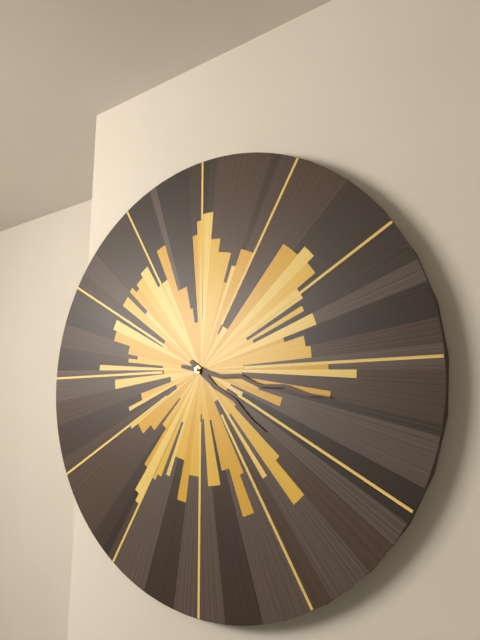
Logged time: **4:17**
